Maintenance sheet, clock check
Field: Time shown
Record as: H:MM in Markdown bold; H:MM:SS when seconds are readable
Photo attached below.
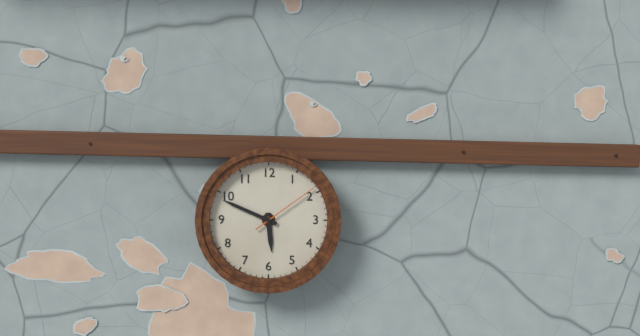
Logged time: **5:49:09**
